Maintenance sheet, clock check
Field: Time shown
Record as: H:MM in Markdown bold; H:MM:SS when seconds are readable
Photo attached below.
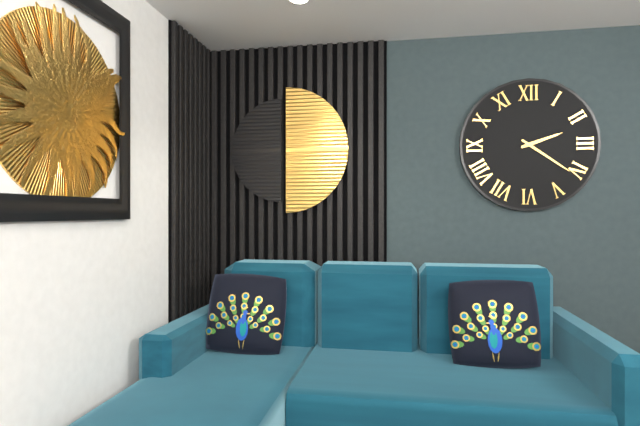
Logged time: **2:21**
